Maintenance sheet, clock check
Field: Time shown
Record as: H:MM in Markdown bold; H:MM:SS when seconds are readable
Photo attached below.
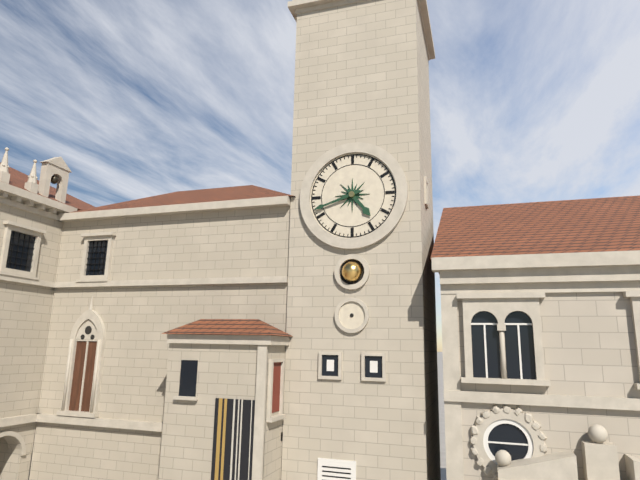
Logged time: **4:42**
